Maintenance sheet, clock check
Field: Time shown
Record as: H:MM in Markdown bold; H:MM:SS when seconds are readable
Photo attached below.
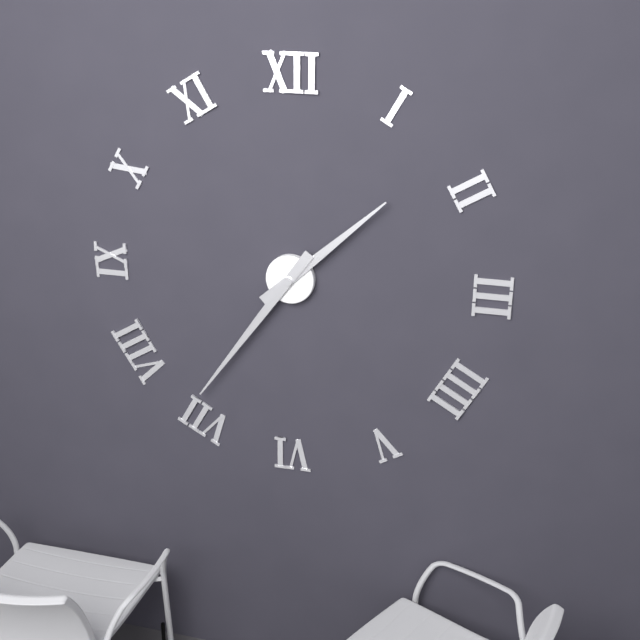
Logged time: **1:36**
